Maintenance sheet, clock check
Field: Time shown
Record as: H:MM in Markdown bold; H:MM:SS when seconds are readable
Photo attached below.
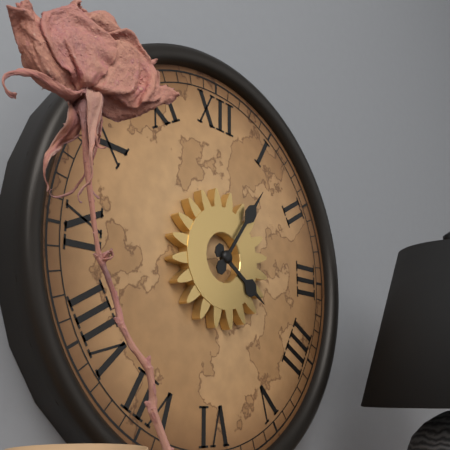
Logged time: **4:06**
